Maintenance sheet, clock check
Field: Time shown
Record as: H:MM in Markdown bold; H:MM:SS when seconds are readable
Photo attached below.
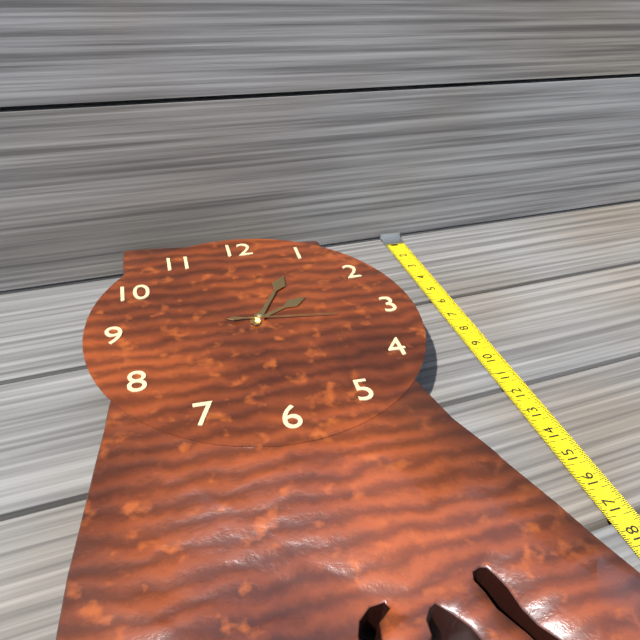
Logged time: **2:05:16**
